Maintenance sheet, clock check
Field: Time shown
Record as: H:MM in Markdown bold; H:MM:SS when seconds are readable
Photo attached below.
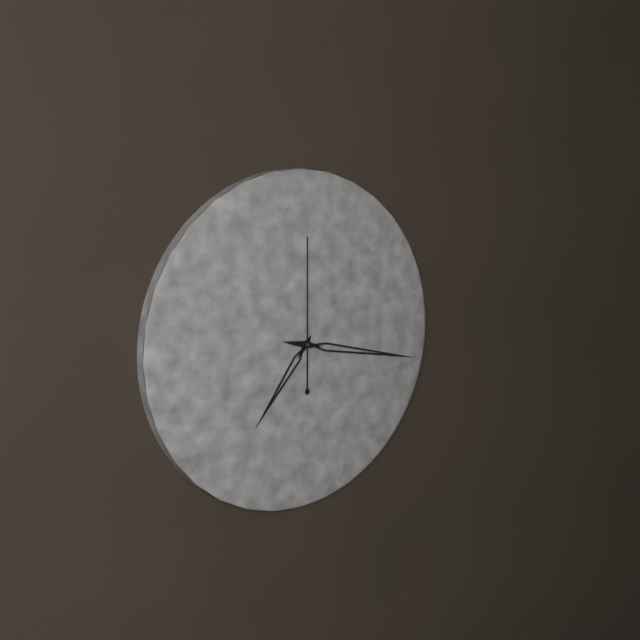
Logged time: **7:17:00**
